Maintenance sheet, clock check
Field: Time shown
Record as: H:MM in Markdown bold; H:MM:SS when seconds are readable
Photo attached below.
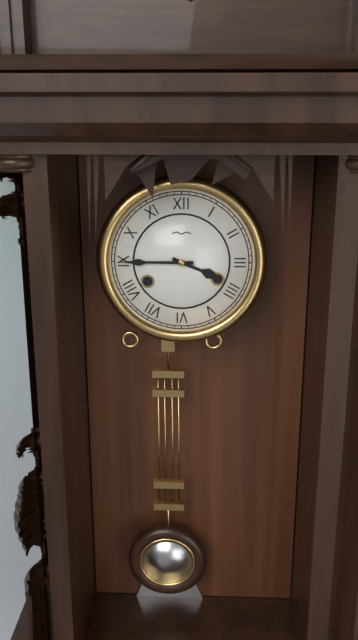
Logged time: **3:45**
